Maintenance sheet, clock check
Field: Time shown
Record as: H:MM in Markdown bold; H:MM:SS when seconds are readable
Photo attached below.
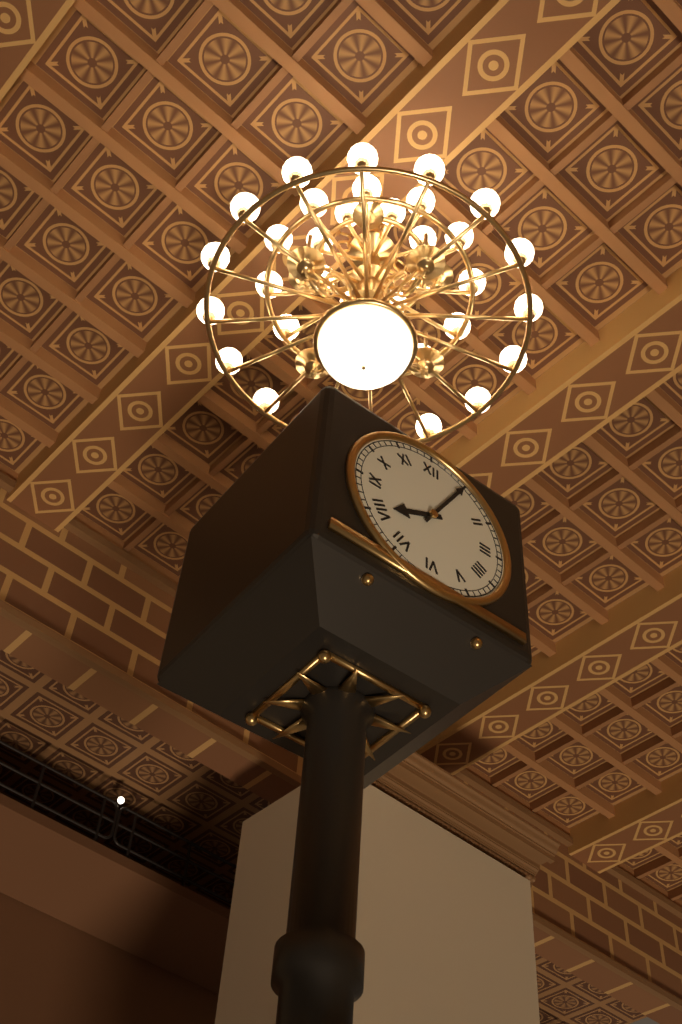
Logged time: **8:05**
